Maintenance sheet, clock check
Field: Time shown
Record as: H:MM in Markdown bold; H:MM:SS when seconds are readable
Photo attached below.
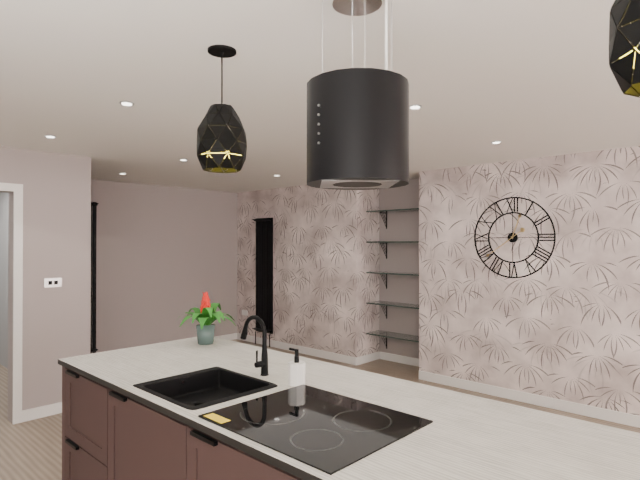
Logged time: **12:39**
